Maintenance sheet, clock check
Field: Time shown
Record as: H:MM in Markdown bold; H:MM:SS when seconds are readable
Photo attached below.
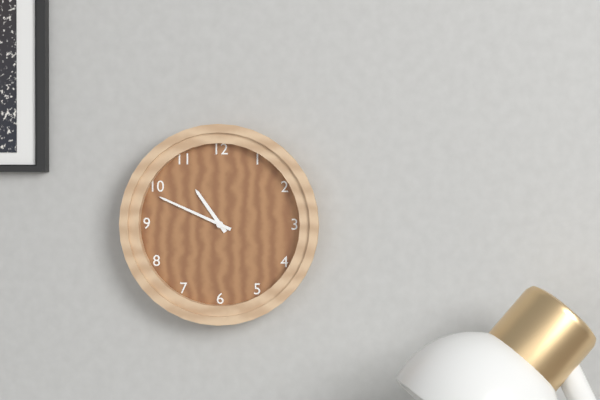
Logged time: **10:49**
